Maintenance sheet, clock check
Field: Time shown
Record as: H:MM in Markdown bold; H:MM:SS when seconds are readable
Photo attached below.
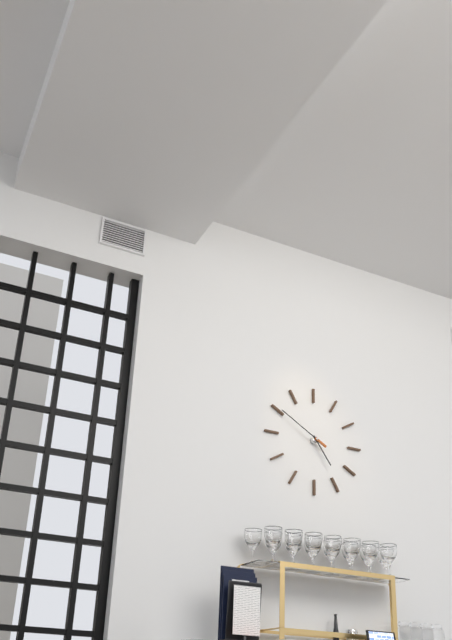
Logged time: **4:50**
